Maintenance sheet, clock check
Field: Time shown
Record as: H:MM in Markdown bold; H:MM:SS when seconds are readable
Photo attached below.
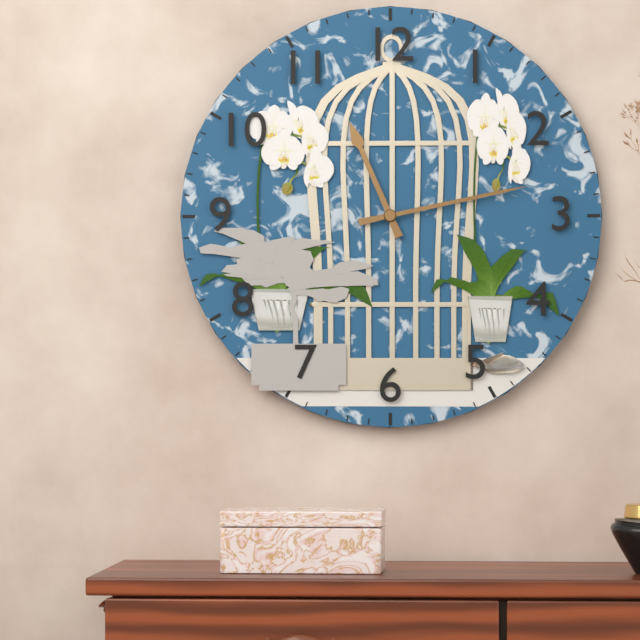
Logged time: **11:13**
